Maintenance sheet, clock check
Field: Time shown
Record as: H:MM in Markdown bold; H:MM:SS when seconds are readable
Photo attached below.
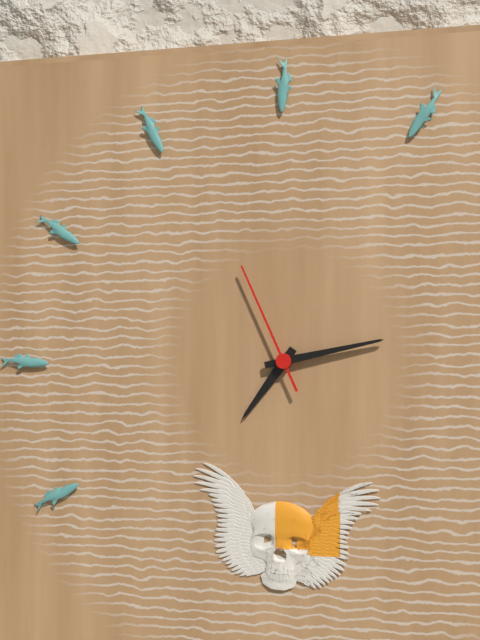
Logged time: **7:13:56**
